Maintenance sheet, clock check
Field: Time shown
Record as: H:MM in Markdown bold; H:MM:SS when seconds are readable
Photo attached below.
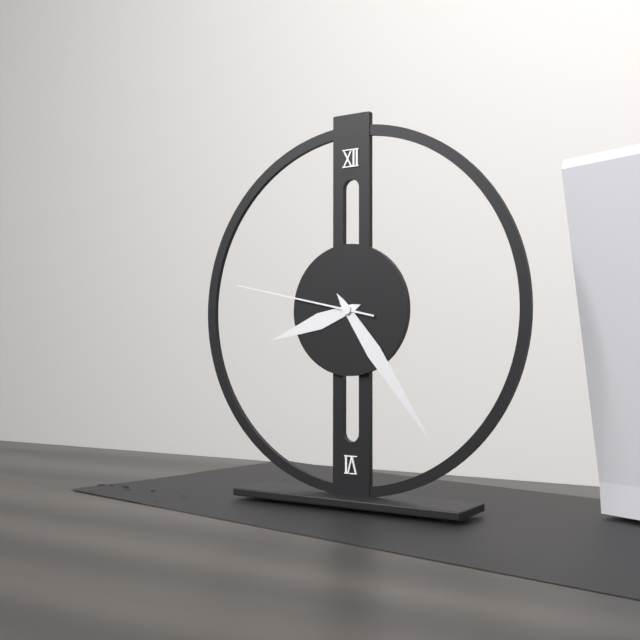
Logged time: **8:24:47**
